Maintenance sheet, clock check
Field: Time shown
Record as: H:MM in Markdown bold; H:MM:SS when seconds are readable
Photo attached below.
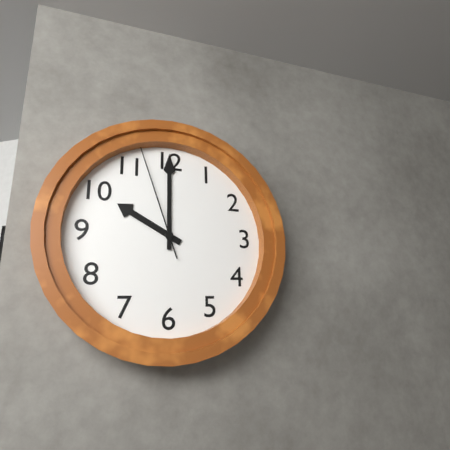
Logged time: **10:00:57**
